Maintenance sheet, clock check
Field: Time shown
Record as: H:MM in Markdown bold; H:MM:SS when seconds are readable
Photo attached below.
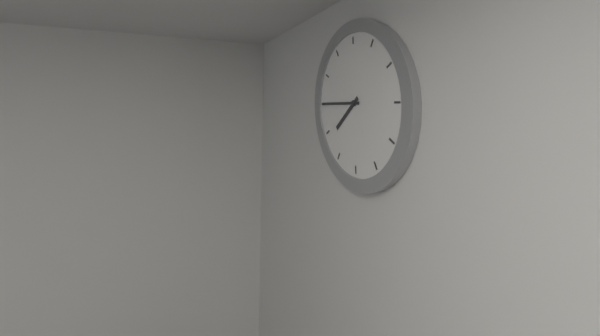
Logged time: **7:45**
